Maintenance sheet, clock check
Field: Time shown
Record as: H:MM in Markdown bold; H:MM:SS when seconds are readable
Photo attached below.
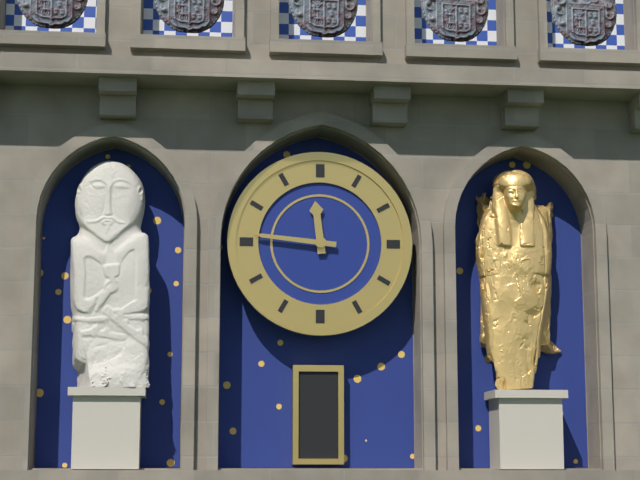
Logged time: **11:46**
